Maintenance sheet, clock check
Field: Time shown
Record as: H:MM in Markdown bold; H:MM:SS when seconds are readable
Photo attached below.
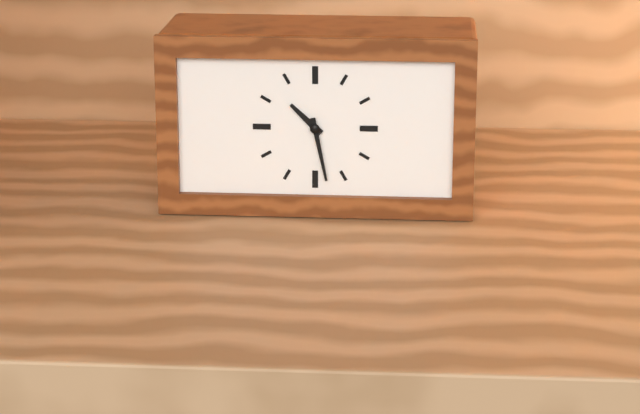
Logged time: **10:28**
